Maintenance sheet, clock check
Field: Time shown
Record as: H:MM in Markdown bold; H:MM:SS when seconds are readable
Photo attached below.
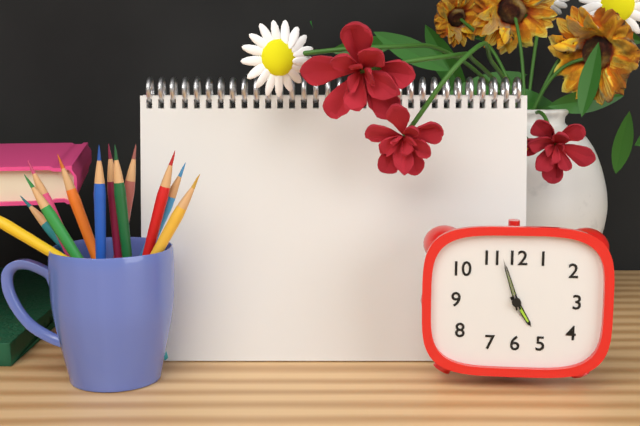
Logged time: **4:57:57**
